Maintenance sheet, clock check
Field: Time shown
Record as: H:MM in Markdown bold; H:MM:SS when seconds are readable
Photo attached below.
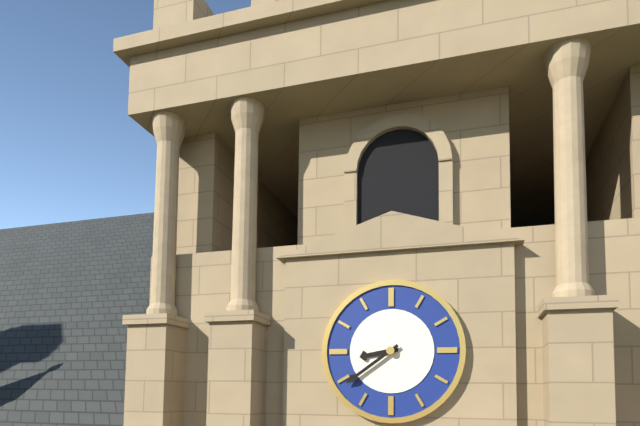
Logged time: **8:39**
